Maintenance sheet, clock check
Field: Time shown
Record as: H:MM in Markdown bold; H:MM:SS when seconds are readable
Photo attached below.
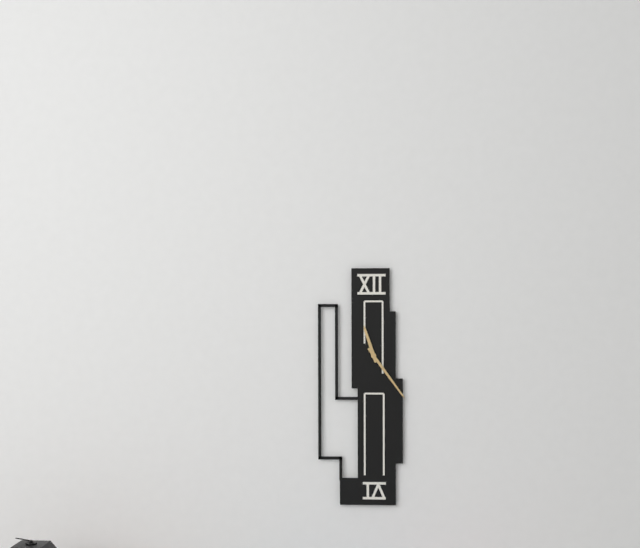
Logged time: **11:24**
